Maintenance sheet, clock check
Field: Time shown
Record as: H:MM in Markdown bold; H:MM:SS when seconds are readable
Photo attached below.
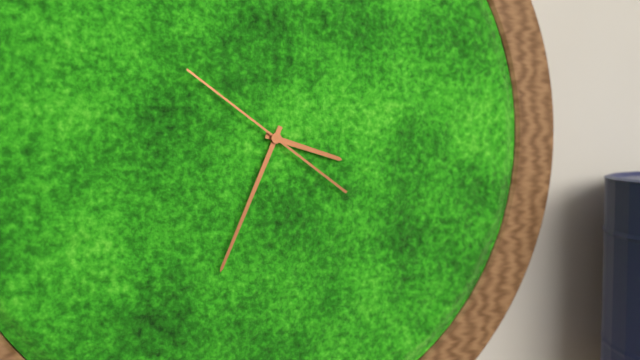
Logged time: **3:34:51**
